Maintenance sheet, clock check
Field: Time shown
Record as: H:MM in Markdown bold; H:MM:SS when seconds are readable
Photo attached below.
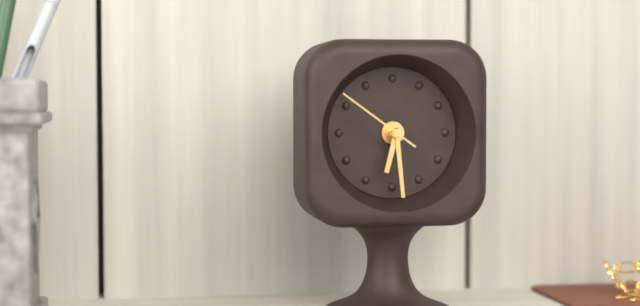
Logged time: **6:29:51**
